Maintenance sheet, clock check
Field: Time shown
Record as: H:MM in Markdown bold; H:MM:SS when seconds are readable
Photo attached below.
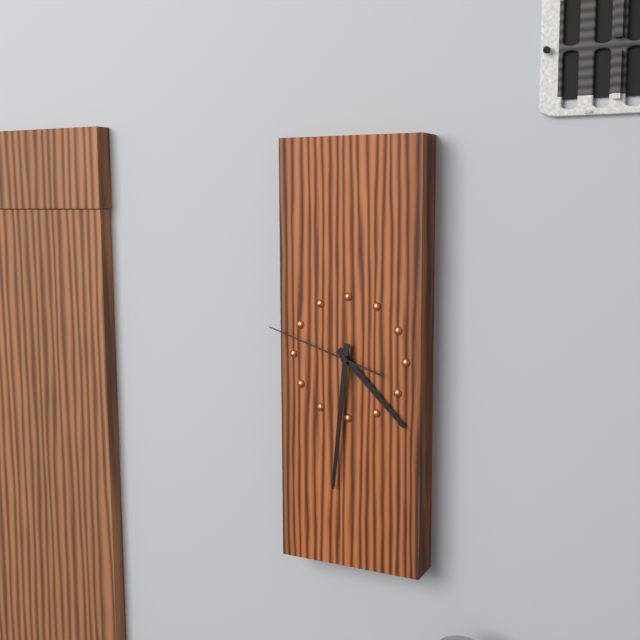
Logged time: **4:31:48**
